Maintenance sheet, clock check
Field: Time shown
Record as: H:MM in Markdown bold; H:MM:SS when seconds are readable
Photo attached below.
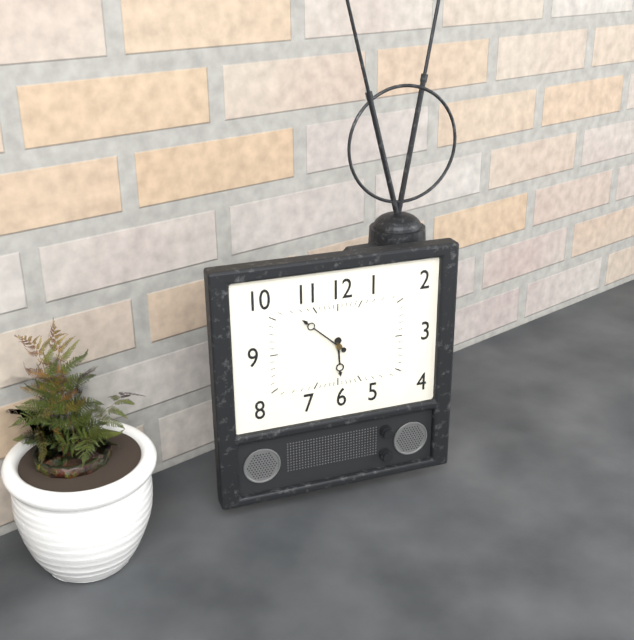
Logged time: **5:52**
